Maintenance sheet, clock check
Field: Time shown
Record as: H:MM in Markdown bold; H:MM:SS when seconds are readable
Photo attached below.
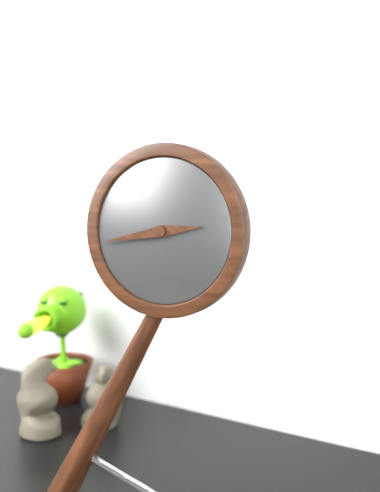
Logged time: **2:43**
